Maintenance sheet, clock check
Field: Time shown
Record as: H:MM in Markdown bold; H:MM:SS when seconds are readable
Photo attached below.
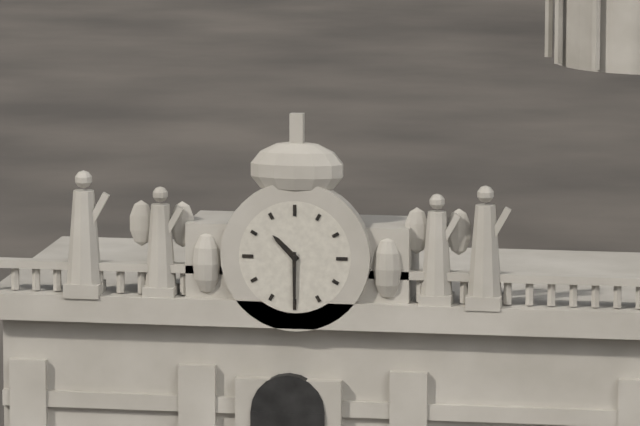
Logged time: **10:30**
